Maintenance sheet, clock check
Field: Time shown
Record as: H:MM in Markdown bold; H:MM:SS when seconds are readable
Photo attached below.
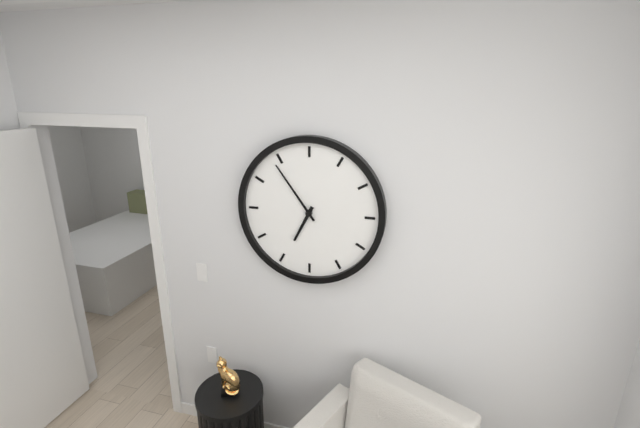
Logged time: **6:54**
